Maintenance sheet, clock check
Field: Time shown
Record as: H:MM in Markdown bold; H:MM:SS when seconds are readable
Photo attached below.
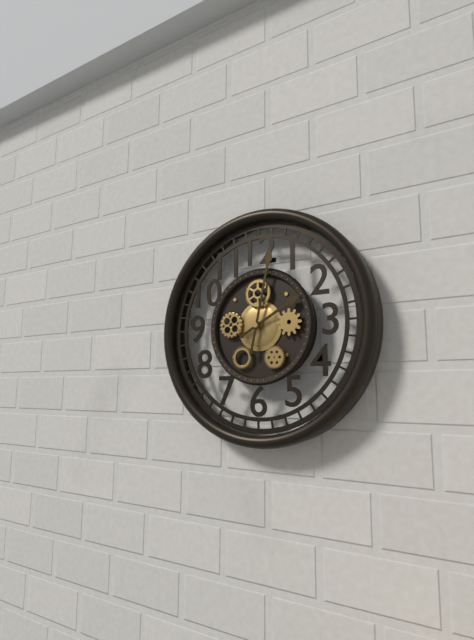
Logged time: **2:02**
